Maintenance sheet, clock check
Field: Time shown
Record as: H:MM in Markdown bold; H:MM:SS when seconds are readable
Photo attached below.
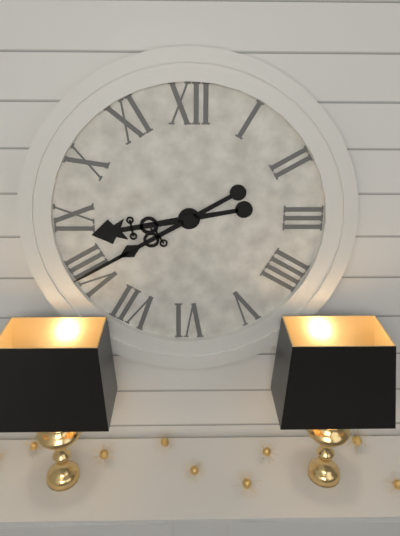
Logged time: **8:40**
